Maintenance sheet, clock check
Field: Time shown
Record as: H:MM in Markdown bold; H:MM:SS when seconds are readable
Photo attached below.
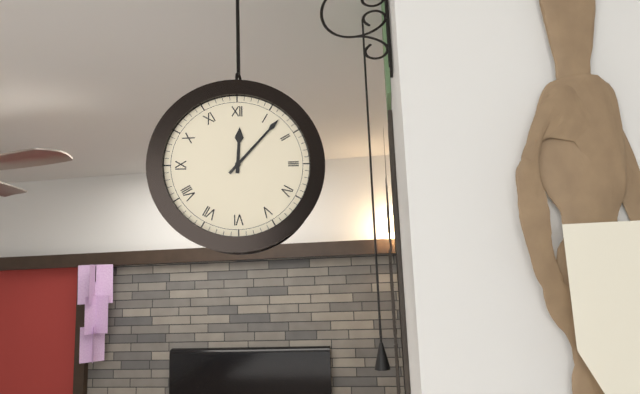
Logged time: **12:07**
